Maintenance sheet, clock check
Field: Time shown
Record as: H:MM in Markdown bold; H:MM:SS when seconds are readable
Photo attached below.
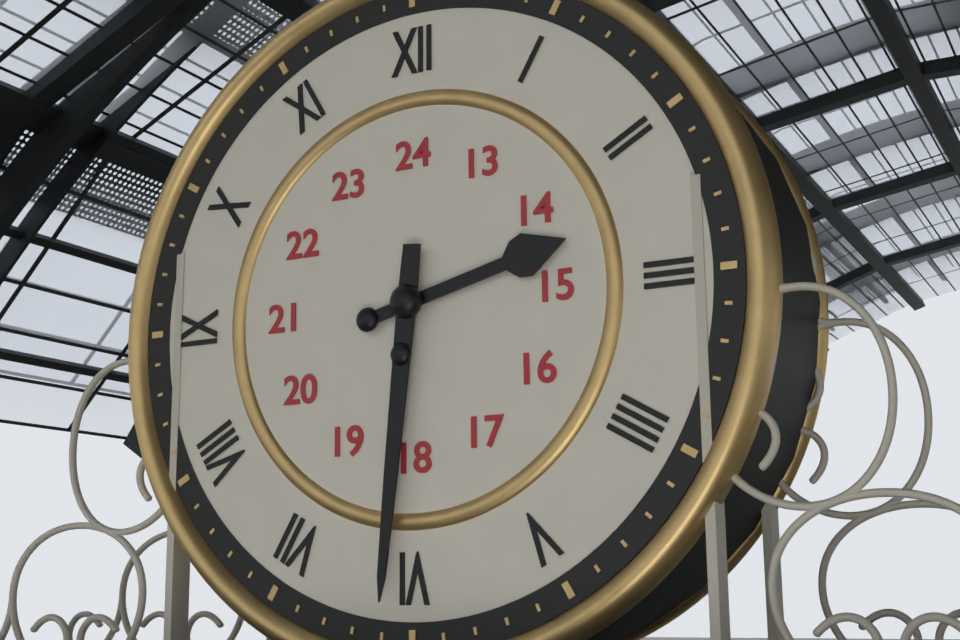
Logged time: **2:31**
